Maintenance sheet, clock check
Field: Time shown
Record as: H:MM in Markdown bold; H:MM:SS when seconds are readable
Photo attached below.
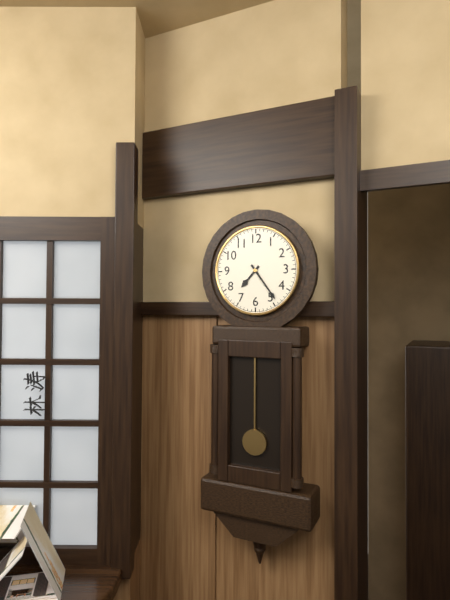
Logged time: **7:24**
